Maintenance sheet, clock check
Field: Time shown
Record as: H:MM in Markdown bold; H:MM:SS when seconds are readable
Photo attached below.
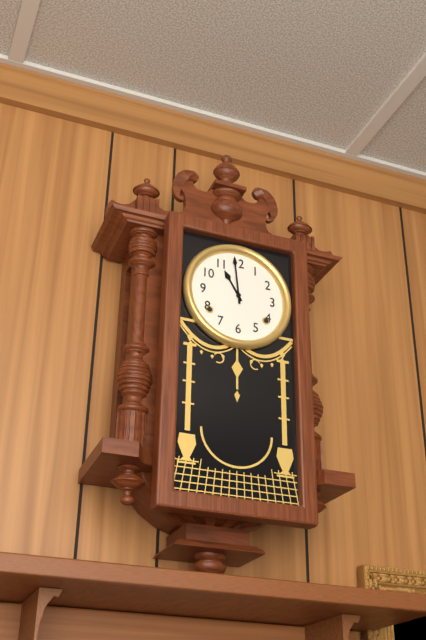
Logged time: **10:59**
